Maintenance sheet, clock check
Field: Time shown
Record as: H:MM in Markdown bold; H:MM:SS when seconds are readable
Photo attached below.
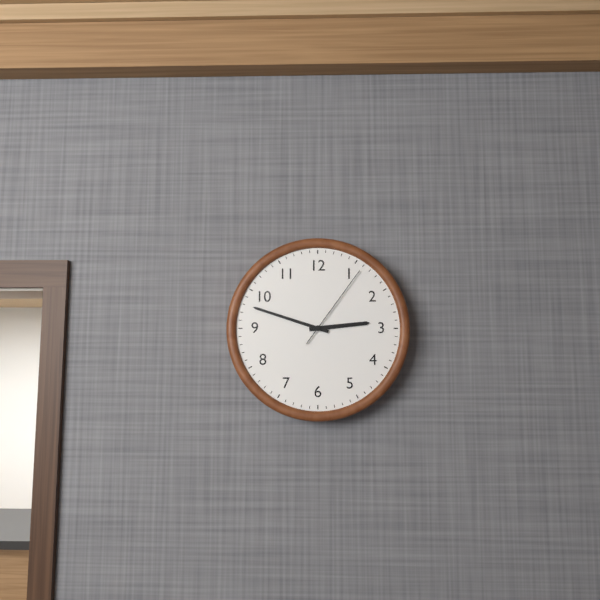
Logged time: **2:48:06**
